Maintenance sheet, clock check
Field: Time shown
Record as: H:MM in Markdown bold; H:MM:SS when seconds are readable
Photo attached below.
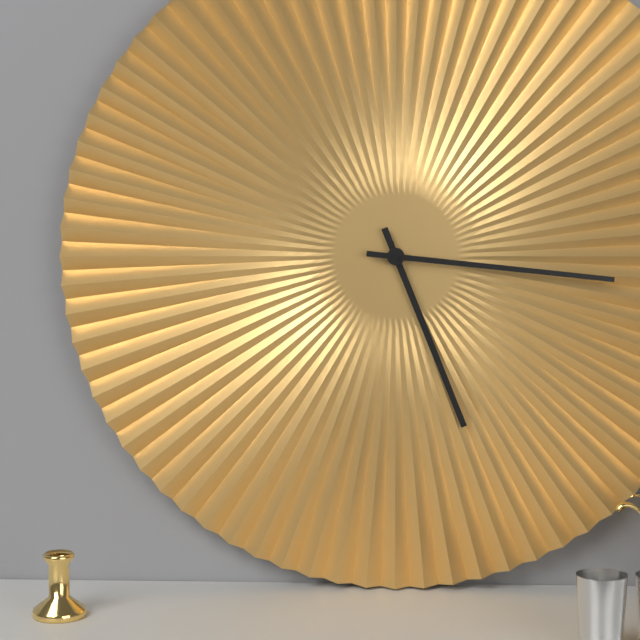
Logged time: **5:16**
